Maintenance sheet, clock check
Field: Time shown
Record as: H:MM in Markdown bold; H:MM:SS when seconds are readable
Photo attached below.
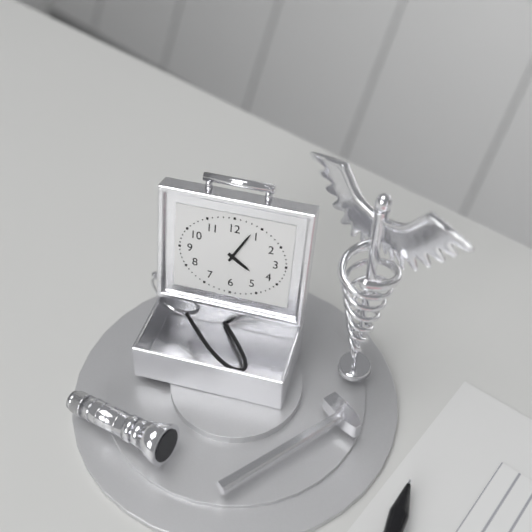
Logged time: **4:05**
